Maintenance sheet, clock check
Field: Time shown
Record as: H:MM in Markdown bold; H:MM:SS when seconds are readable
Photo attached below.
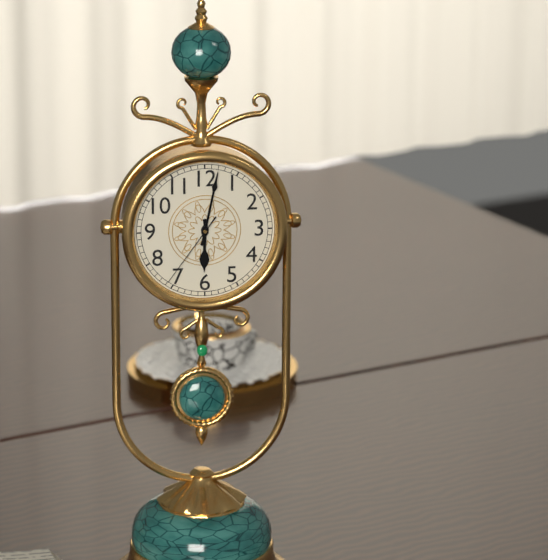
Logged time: **6:02:36**
